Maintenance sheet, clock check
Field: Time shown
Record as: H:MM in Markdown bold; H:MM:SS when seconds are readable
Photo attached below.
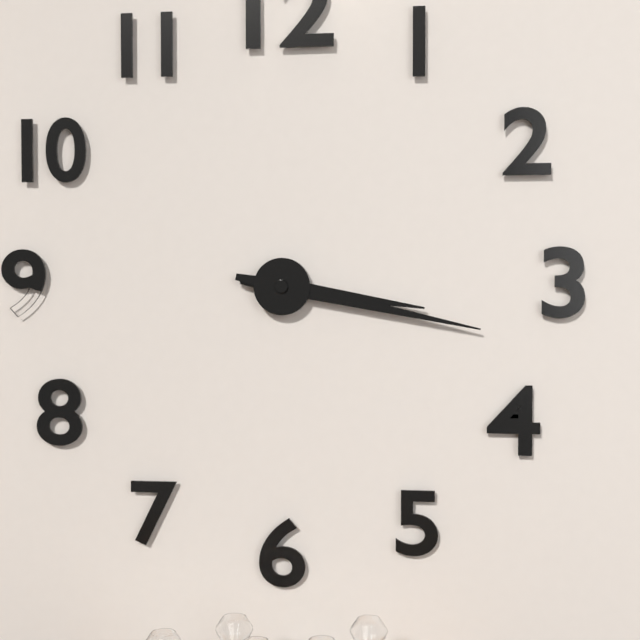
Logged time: **3:17**
